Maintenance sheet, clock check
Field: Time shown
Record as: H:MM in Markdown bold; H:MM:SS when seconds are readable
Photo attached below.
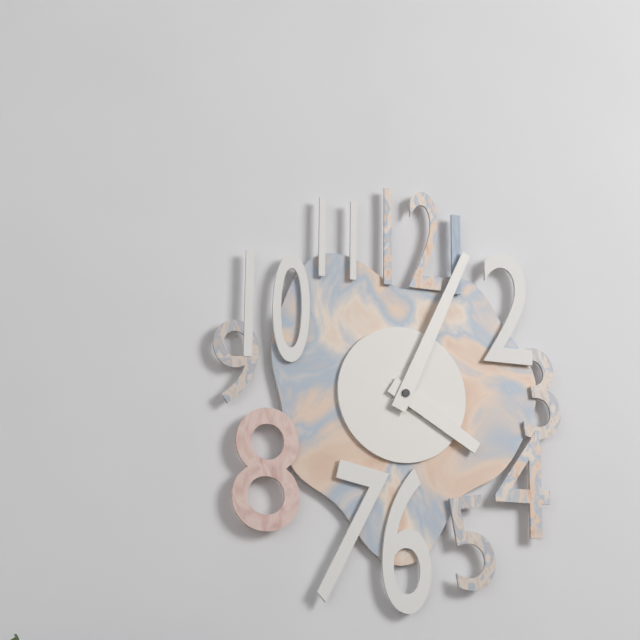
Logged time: **4:04**
